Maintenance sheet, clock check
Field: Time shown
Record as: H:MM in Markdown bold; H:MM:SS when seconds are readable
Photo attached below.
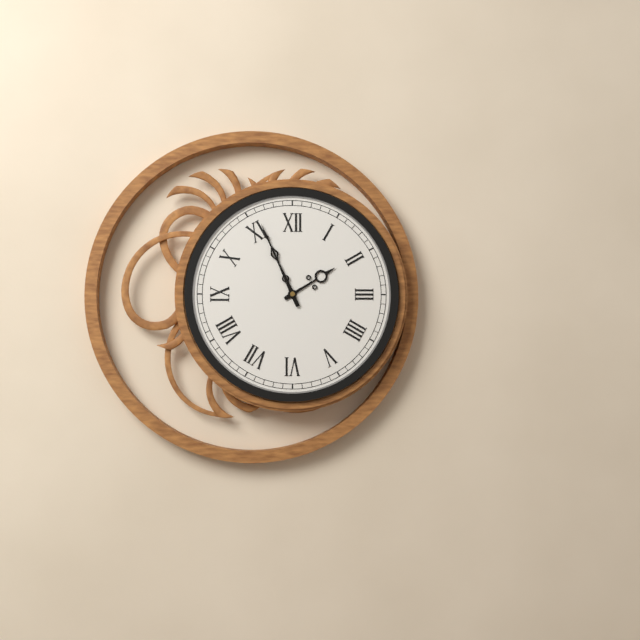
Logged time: **1:56**
